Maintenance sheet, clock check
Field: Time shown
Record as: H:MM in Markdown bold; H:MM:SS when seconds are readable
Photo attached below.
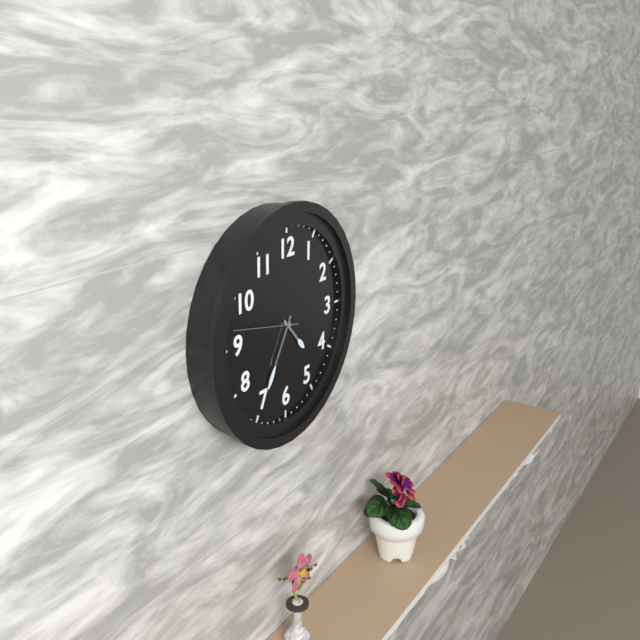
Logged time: **4:35:47**
